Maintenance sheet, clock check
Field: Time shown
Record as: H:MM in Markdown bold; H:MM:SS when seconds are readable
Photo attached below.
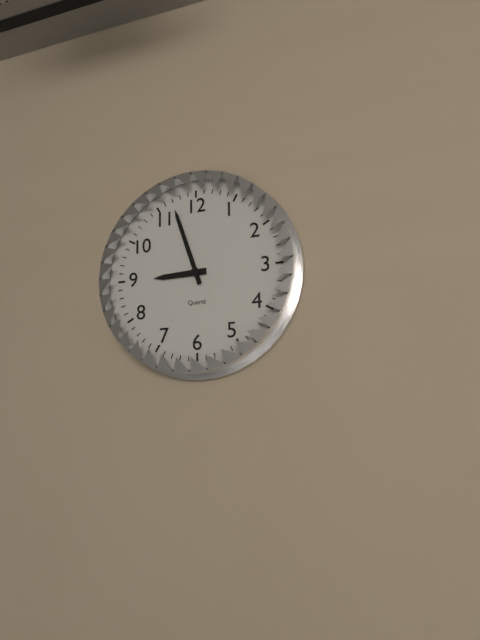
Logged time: **8:57**
